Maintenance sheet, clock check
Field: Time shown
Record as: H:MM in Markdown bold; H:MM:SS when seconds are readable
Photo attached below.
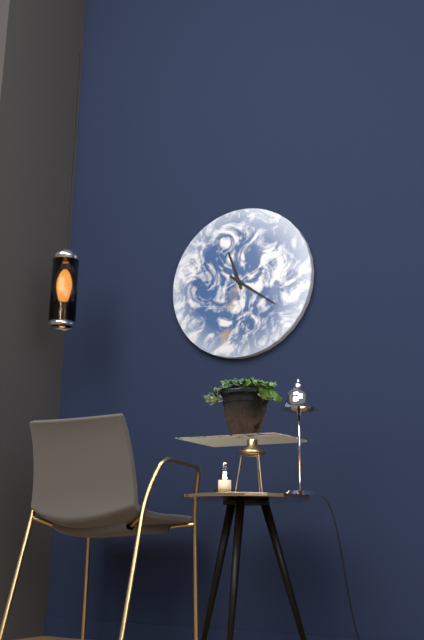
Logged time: **11:21:11**
